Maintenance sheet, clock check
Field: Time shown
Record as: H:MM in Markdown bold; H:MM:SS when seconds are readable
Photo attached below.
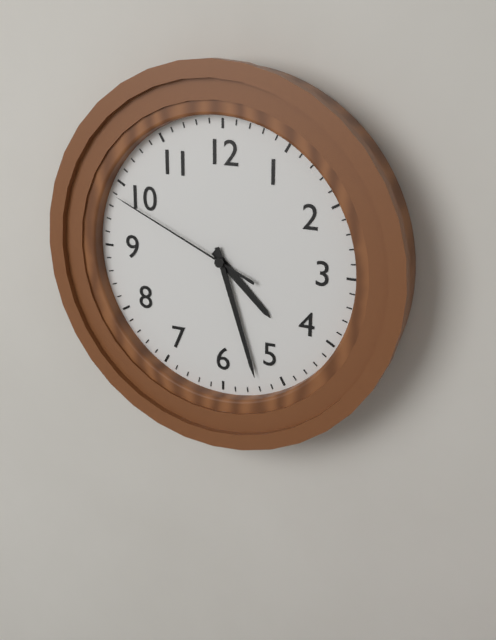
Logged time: **4:27:49**
